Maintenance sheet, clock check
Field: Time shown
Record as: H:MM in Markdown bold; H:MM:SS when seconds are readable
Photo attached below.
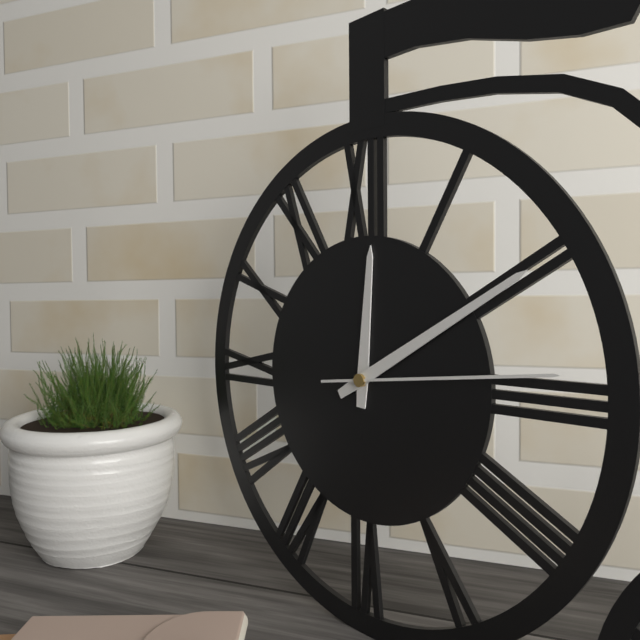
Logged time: **12:10:14**
